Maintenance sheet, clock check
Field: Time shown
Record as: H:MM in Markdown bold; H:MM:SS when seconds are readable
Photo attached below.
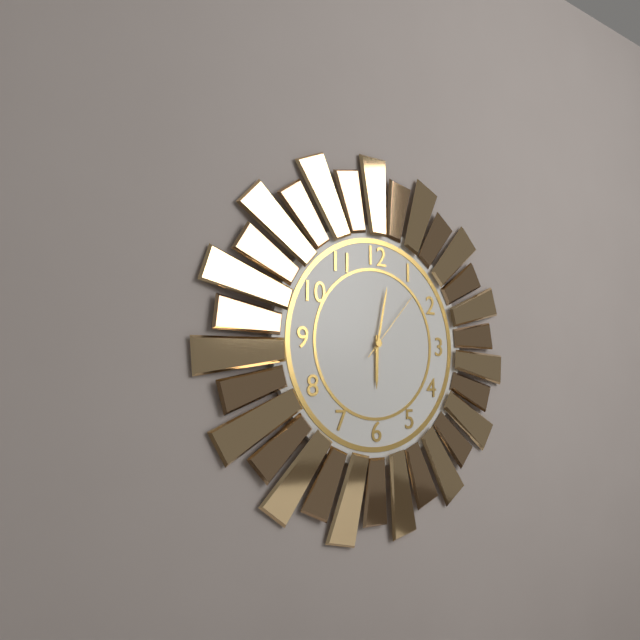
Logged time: **6:02:07**
